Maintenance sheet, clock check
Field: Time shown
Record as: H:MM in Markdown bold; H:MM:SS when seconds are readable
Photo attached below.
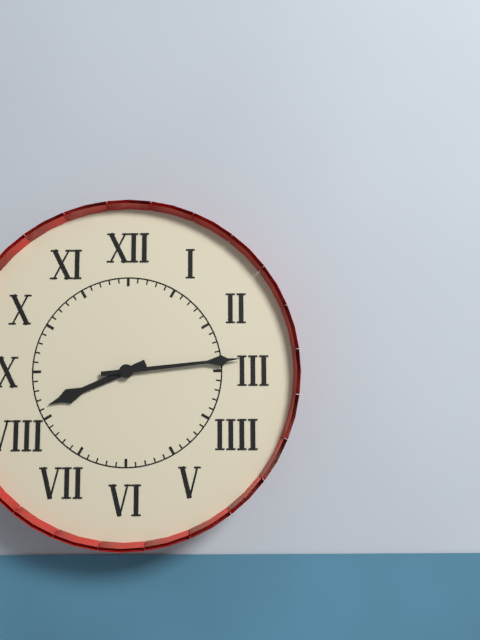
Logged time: **8:14**
